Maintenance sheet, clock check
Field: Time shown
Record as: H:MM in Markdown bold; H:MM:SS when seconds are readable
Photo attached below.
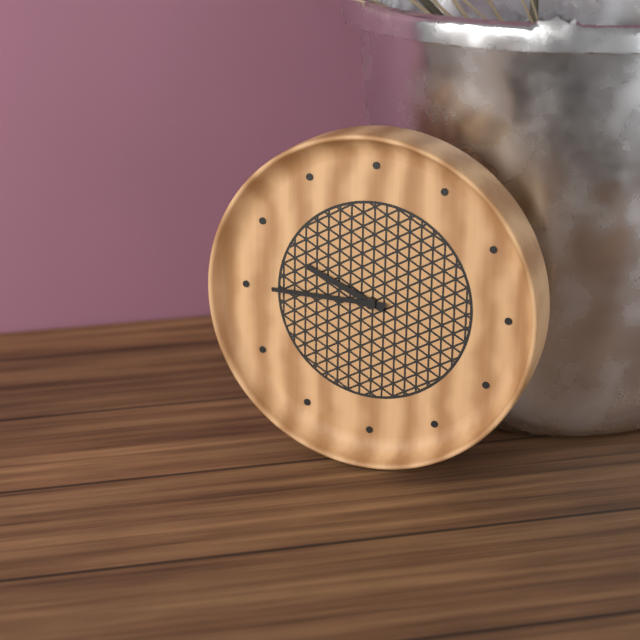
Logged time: **9:45**
